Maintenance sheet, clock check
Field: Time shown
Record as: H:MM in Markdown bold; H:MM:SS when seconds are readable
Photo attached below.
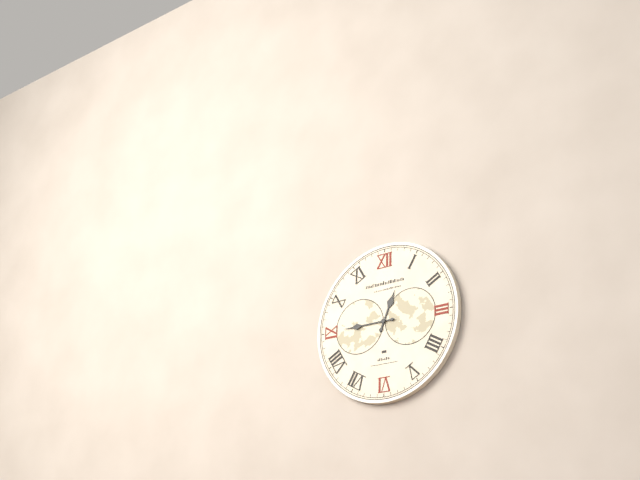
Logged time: **12:45**
